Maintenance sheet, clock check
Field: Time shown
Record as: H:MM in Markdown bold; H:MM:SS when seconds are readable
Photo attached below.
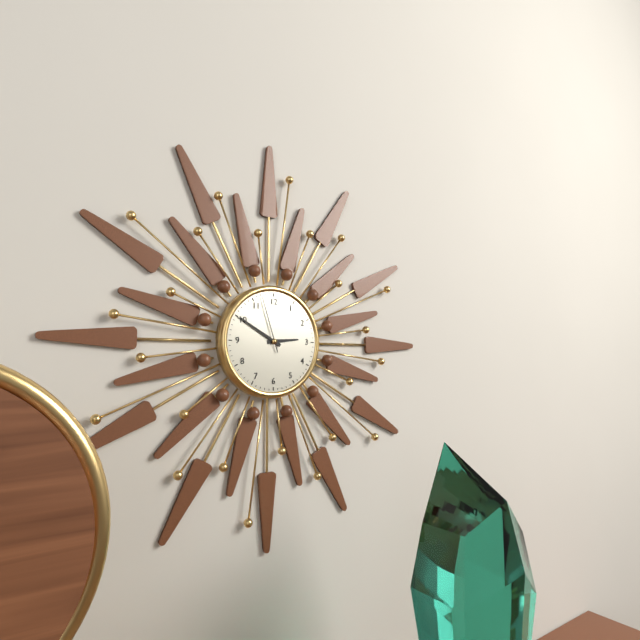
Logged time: **2:50:57**
